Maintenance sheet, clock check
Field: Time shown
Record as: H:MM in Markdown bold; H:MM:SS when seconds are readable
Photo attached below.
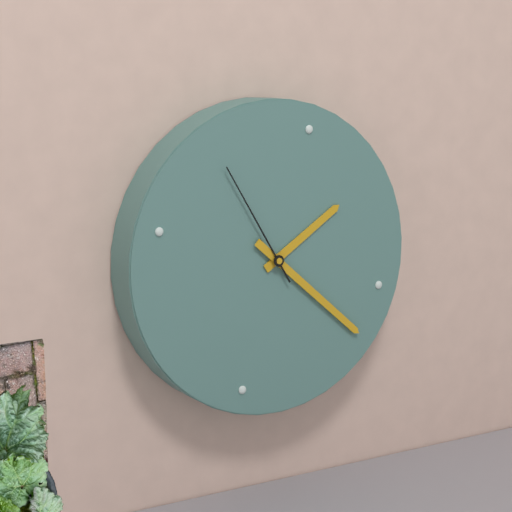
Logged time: **1:19:52**
